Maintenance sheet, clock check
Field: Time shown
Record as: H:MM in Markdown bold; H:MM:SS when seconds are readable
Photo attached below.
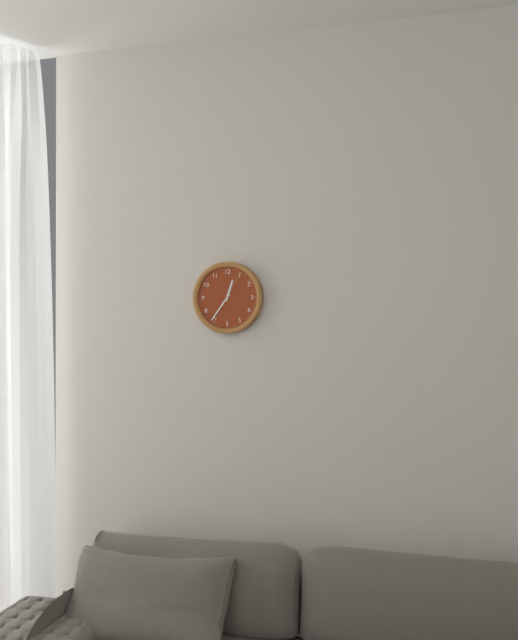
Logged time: **12:36**
